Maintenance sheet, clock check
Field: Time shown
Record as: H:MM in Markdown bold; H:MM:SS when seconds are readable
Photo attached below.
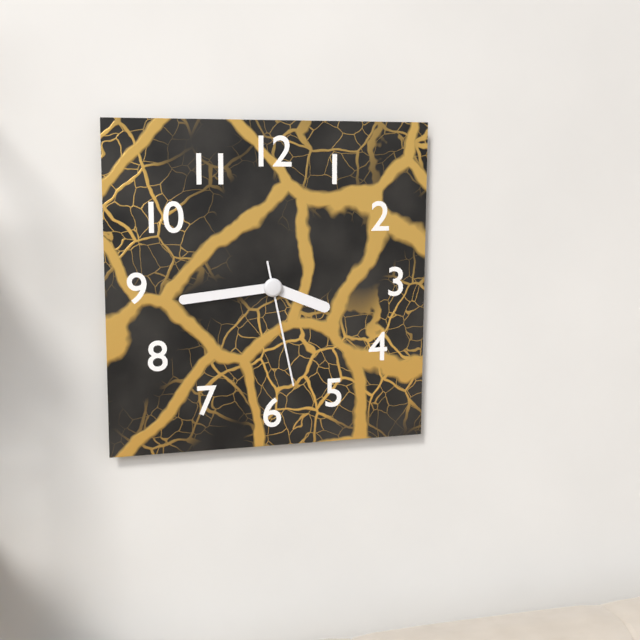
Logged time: **3:44:28**
